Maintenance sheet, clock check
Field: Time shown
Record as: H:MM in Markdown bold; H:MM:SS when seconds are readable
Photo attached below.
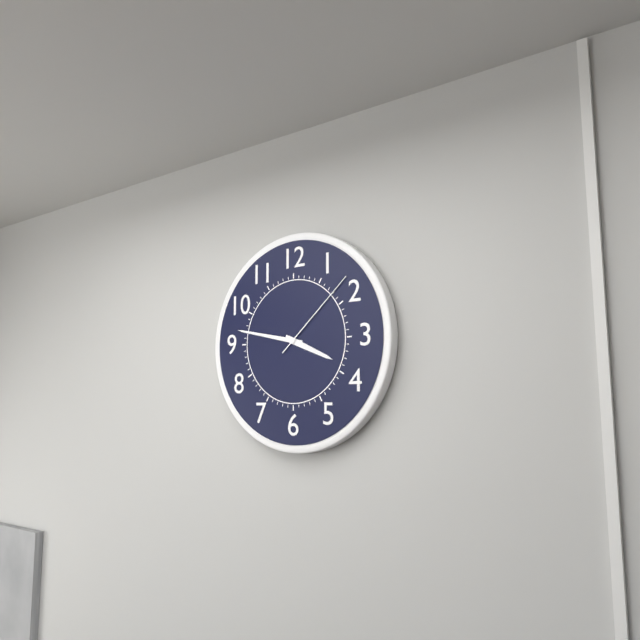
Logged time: **3:47:08**
